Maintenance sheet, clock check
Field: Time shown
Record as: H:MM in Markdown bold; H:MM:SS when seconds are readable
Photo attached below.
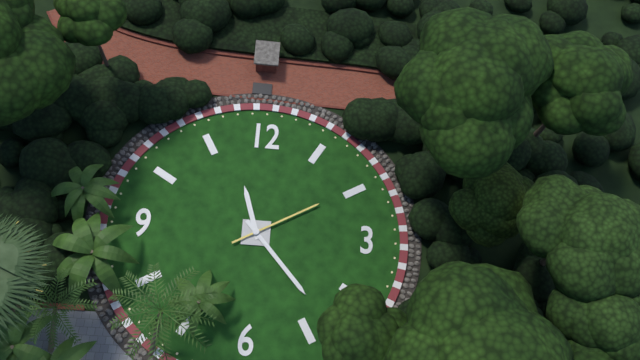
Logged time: **11:23:10**
